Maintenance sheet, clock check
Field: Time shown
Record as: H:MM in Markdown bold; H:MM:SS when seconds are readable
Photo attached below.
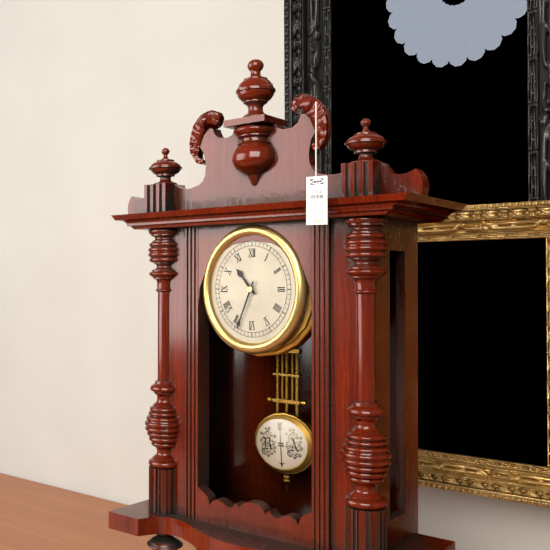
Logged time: **10:34**
